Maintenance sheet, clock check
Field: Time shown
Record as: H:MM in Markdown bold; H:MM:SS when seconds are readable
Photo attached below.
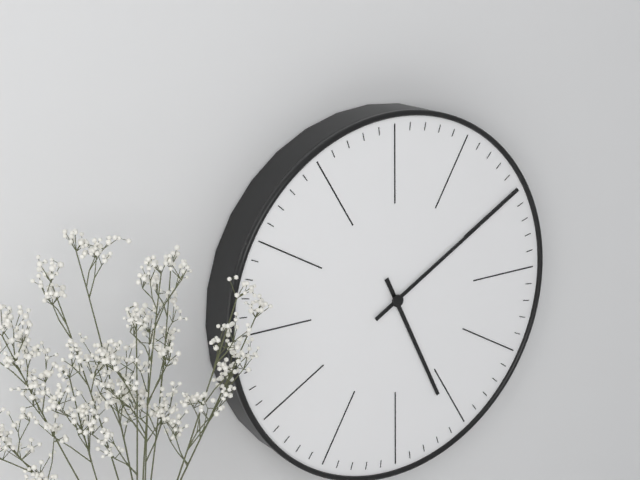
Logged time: **5:10**
